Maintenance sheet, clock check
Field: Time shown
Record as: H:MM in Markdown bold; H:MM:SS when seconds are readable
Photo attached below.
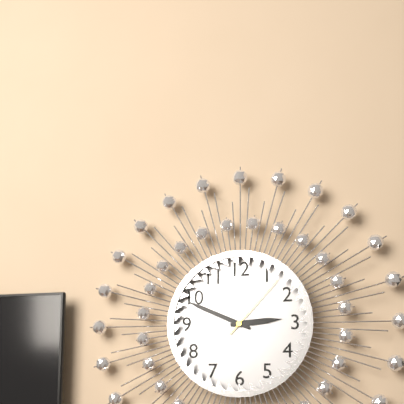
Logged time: **2:49:07**
